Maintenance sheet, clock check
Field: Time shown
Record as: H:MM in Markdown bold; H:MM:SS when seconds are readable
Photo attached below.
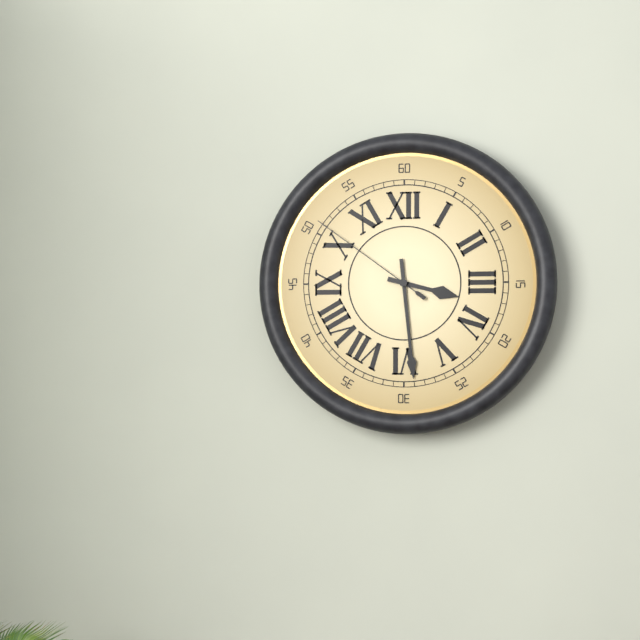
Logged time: **3:29:51**
